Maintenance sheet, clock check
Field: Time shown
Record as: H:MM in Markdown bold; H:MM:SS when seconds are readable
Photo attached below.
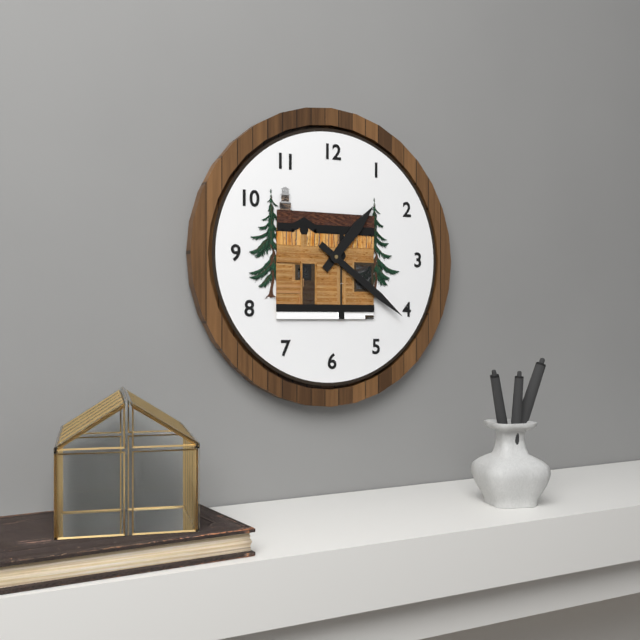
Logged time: **1:21**
